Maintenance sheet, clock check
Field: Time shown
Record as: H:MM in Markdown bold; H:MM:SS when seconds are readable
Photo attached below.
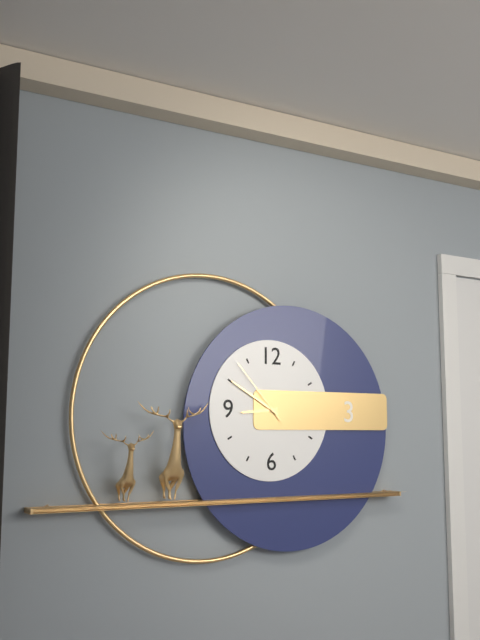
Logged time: **8:50:53**
